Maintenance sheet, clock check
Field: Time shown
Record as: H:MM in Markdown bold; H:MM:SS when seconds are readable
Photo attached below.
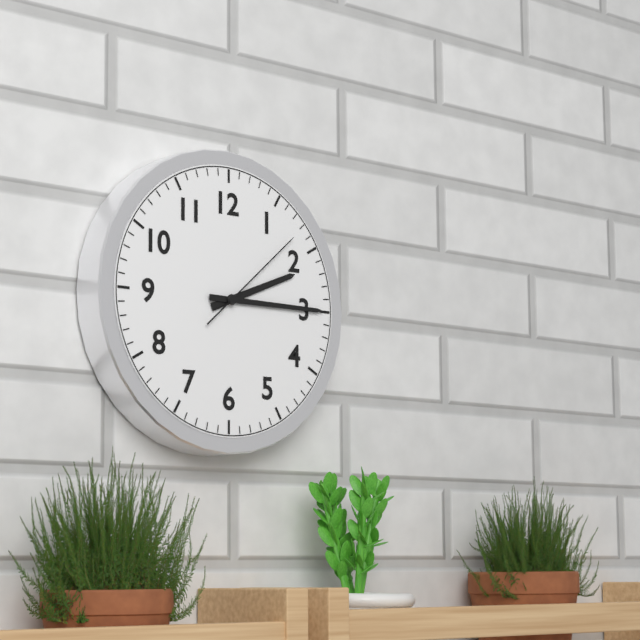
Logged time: **2:15:08**
